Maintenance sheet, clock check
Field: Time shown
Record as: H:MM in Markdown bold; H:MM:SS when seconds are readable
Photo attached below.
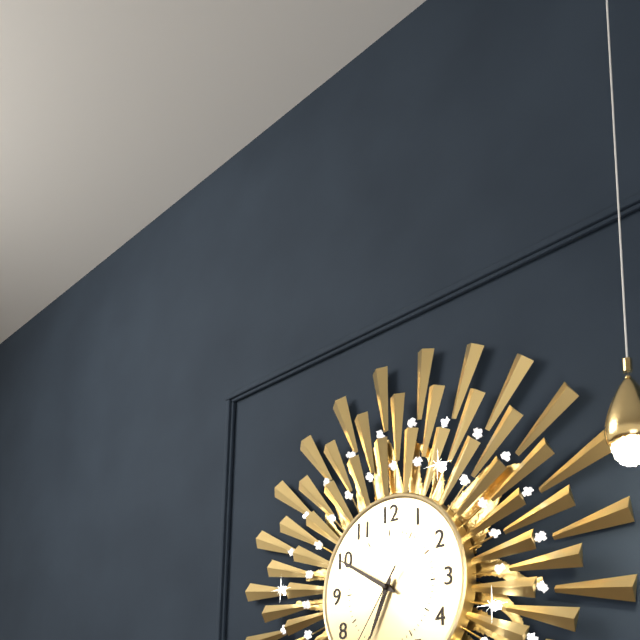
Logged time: **6:50**
